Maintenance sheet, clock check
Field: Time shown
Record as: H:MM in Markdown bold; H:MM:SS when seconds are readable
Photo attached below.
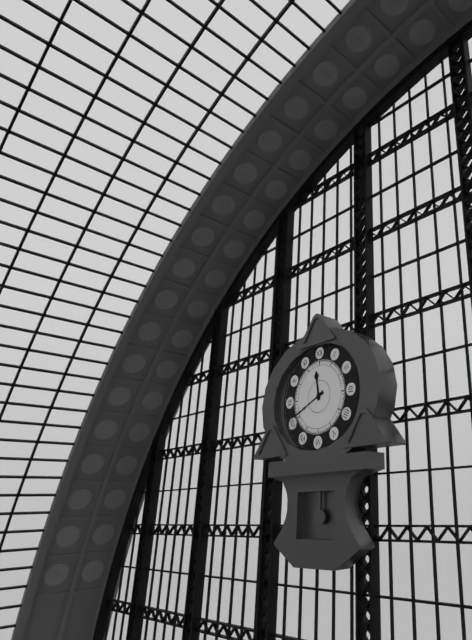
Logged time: **11:41**
